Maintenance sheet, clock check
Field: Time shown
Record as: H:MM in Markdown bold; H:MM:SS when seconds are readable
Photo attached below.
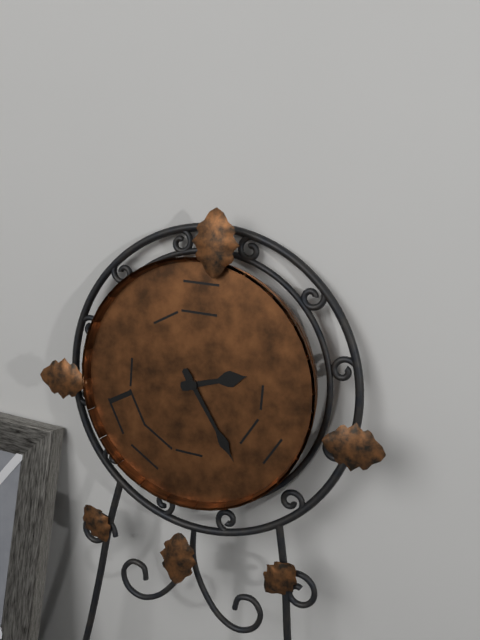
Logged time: **2:24**
